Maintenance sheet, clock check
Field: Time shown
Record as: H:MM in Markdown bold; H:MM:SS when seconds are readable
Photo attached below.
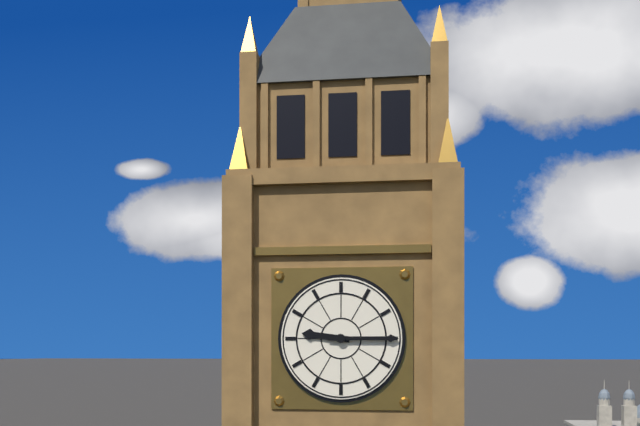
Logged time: **9:15**
